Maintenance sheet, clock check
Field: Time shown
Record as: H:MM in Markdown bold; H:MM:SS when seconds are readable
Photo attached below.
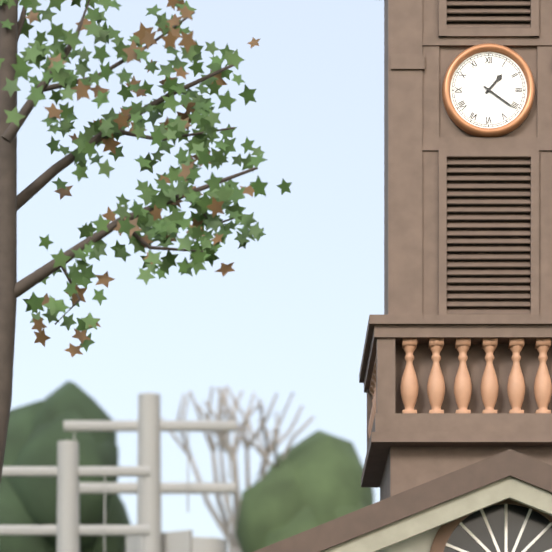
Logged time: **1:21**
